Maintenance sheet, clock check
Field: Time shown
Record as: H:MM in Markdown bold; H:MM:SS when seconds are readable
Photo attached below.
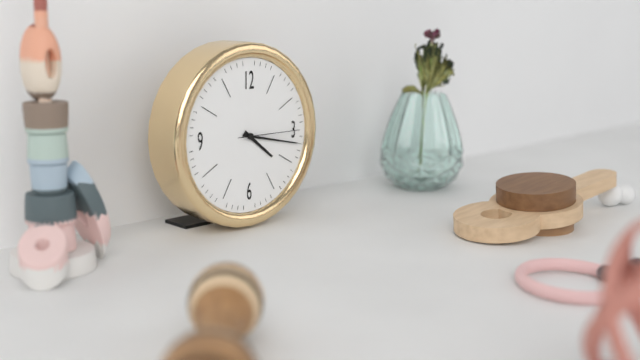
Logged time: **4:17:15**
